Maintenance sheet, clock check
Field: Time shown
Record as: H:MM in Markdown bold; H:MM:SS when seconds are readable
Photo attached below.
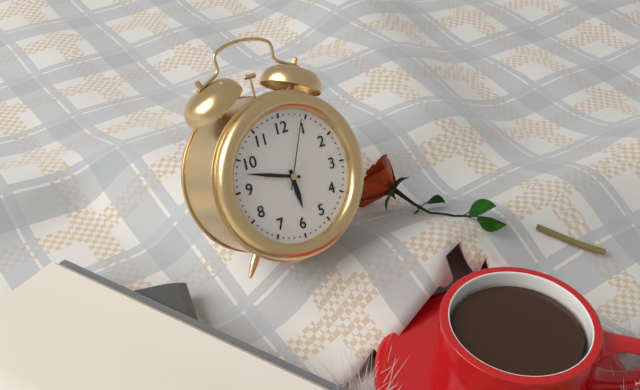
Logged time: **5:48:04**
